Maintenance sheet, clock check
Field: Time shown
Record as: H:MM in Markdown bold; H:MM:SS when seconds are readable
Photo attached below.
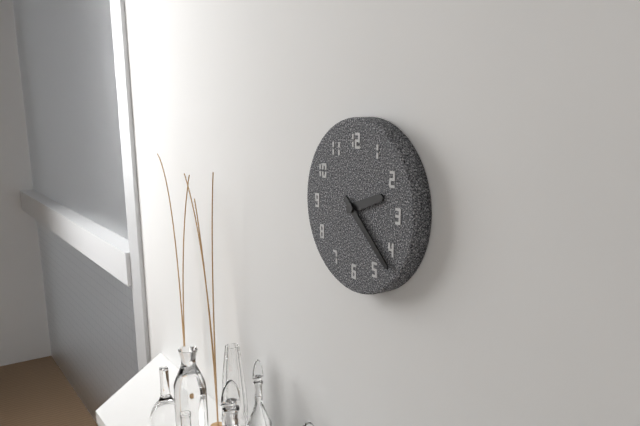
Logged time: **2:22**
